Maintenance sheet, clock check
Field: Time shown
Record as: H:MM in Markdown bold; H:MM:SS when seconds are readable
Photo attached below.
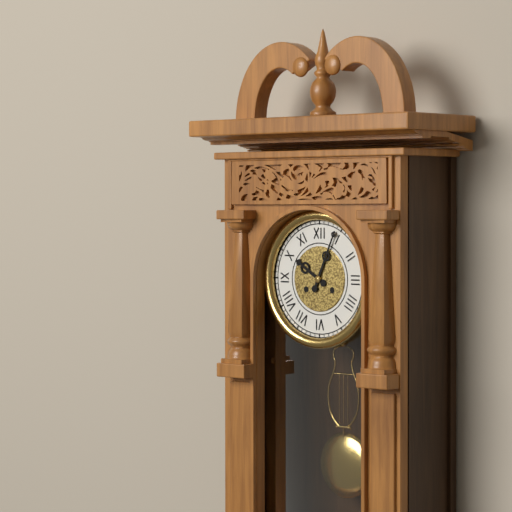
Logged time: **10:04**
